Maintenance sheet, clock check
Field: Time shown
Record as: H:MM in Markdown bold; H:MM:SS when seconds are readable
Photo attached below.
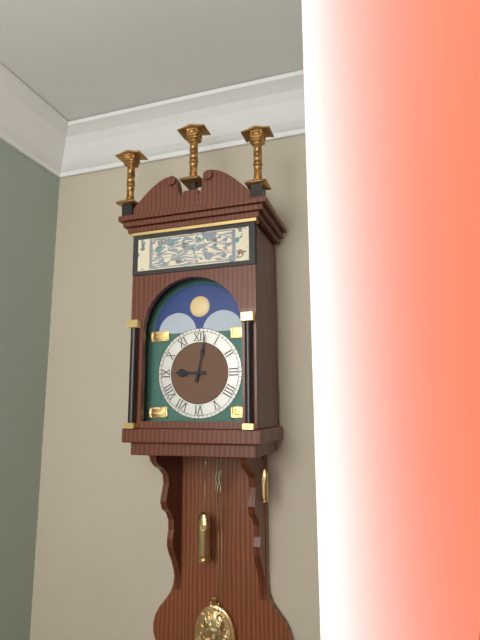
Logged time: **9:02**
